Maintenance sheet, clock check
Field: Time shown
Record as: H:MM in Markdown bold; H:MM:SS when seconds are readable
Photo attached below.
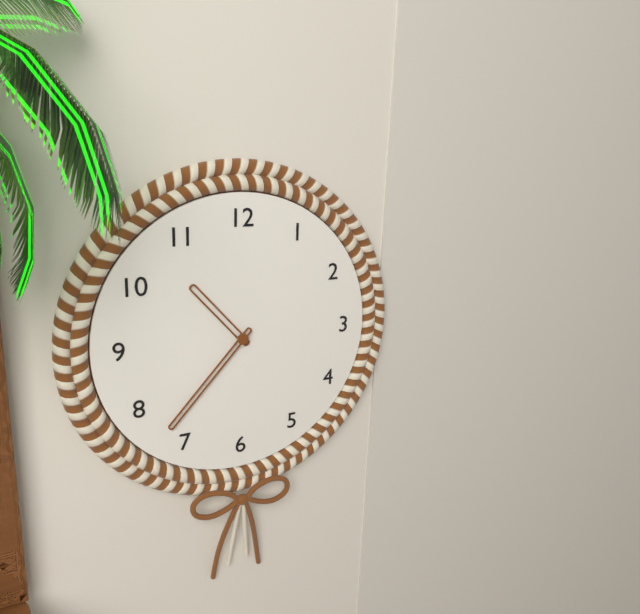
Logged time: **10:37**
